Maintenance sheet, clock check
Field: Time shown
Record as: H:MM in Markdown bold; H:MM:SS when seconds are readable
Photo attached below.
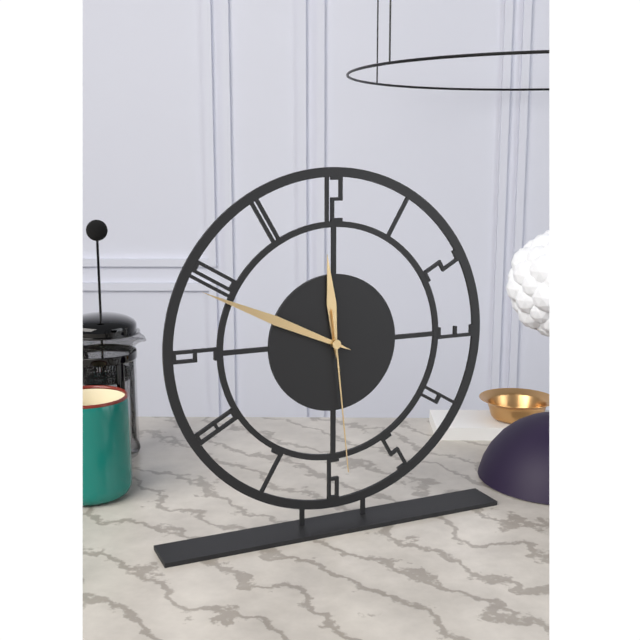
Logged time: **11:49:29**
